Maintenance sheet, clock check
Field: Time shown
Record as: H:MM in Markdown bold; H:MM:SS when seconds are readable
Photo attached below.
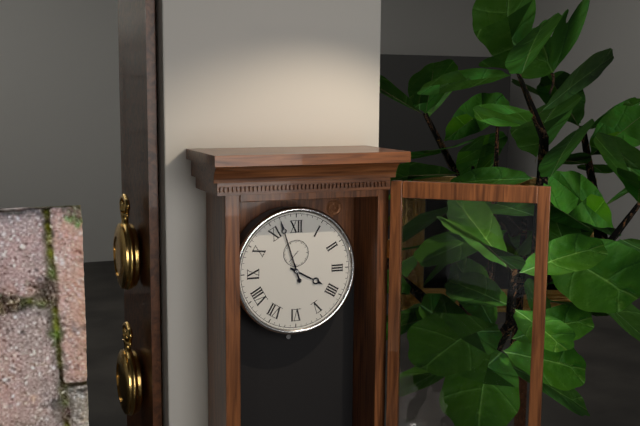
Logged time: **3:57**
